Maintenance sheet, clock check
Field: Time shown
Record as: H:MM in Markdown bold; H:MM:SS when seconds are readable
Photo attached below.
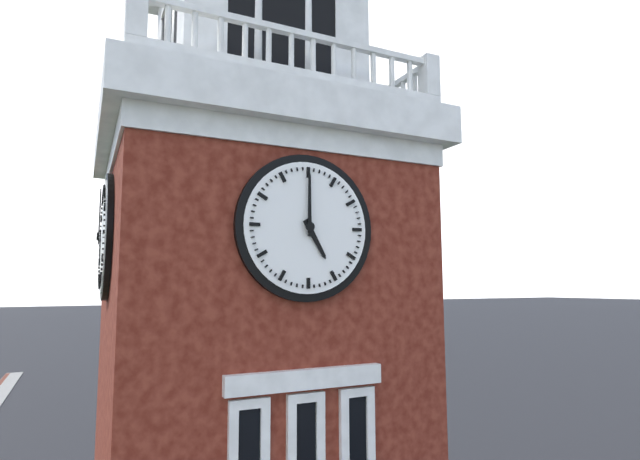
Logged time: **5:00**
